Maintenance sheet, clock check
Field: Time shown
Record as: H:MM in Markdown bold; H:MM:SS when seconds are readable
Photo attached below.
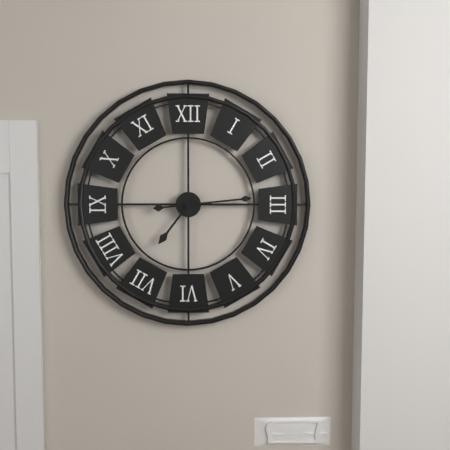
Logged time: **7:14**
